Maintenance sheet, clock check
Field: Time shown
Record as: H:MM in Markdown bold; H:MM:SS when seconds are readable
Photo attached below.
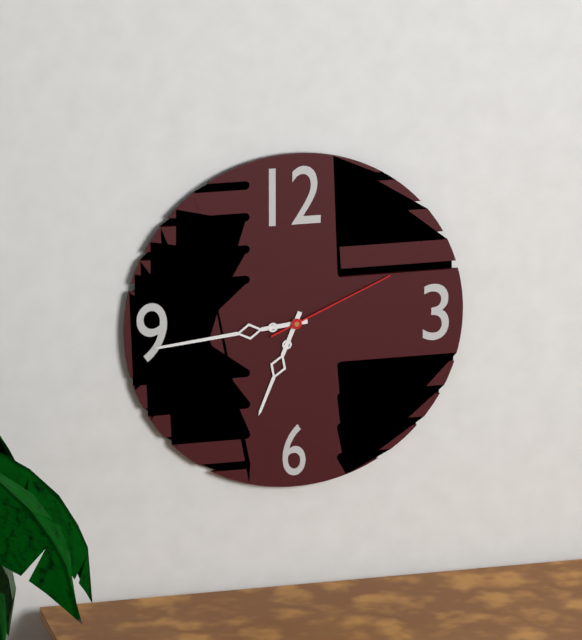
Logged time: **6:44:11**
